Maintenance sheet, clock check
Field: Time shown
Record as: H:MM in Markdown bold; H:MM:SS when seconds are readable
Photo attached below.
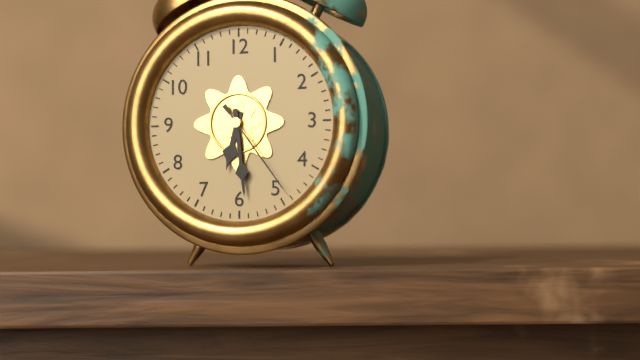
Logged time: **6:29:24**
